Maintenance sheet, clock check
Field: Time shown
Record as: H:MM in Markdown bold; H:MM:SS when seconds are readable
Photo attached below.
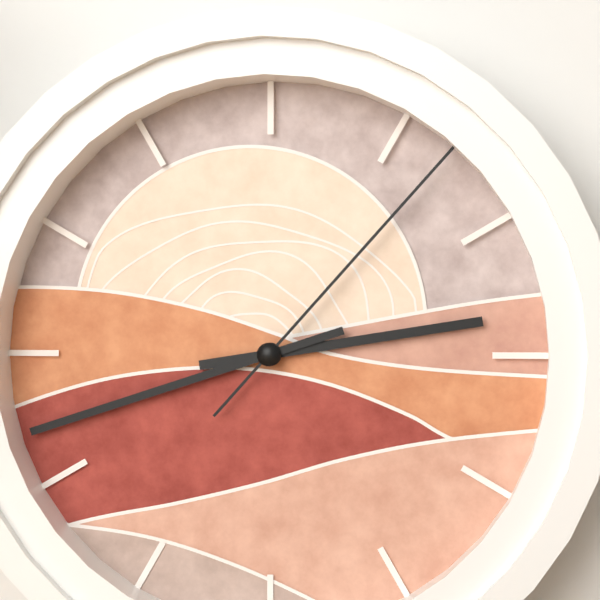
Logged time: **2:42:07**
